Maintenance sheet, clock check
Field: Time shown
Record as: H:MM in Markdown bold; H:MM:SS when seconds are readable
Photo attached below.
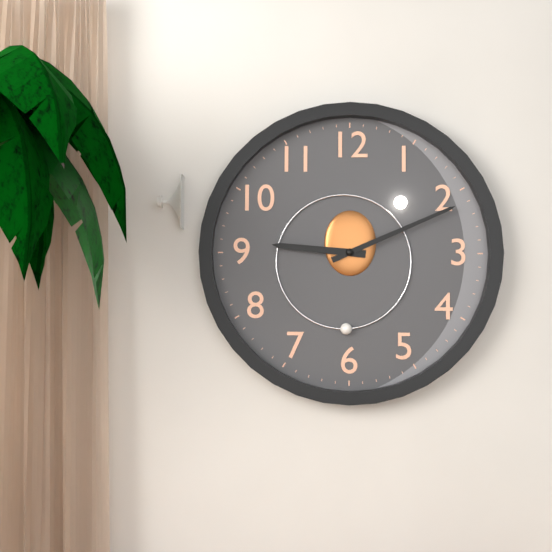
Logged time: **9:11**
